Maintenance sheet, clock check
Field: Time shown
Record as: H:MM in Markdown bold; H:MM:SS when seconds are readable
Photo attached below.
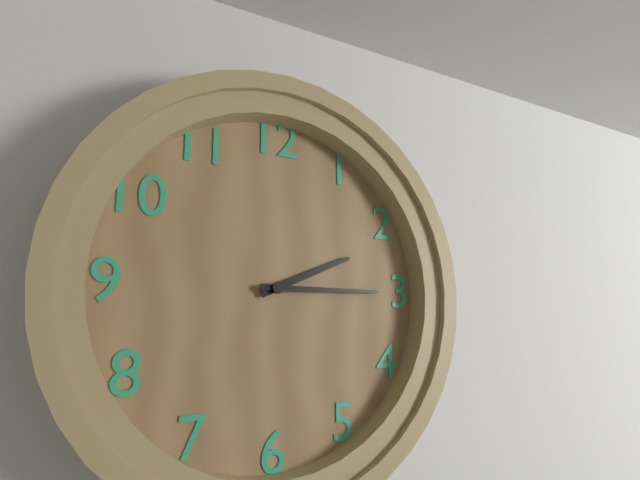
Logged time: **2:15**
